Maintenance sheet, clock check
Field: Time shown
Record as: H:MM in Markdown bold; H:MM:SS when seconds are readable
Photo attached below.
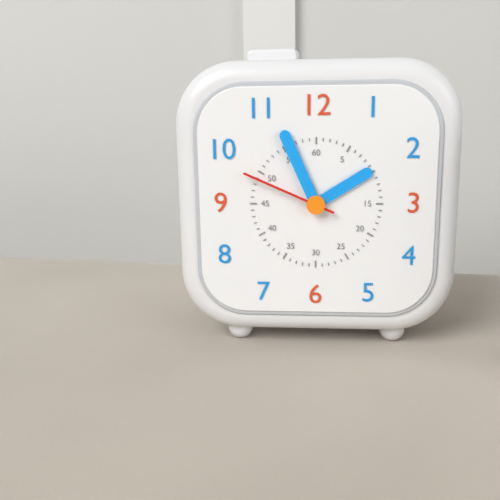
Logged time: **1:56:49**
